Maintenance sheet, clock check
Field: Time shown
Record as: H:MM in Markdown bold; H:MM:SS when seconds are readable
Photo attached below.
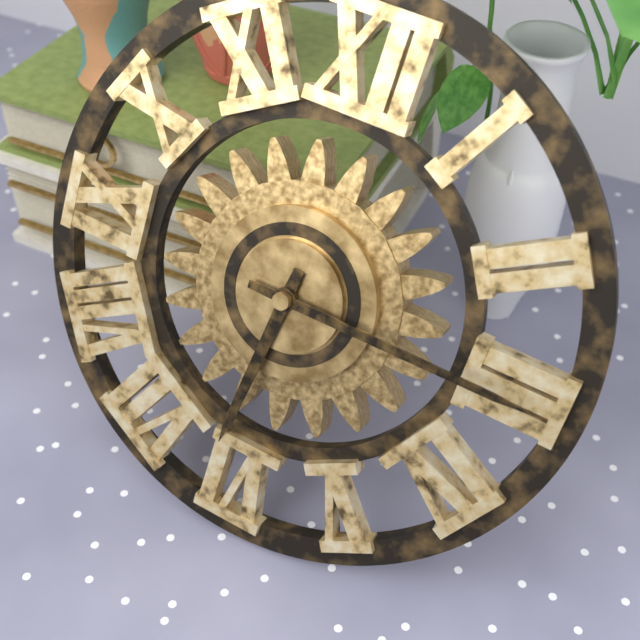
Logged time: **6:15**
